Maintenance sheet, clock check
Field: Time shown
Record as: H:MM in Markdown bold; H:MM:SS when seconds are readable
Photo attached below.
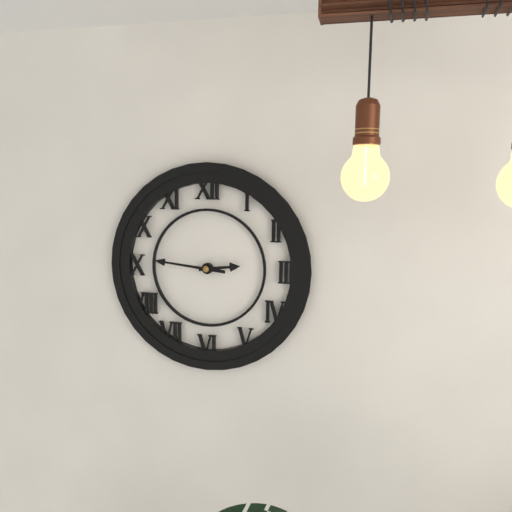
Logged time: **2:46**
